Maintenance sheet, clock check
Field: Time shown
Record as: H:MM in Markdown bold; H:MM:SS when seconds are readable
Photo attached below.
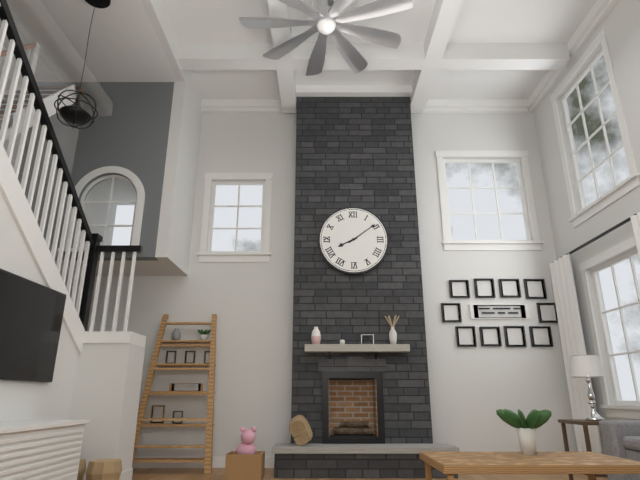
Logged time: **8:09**
